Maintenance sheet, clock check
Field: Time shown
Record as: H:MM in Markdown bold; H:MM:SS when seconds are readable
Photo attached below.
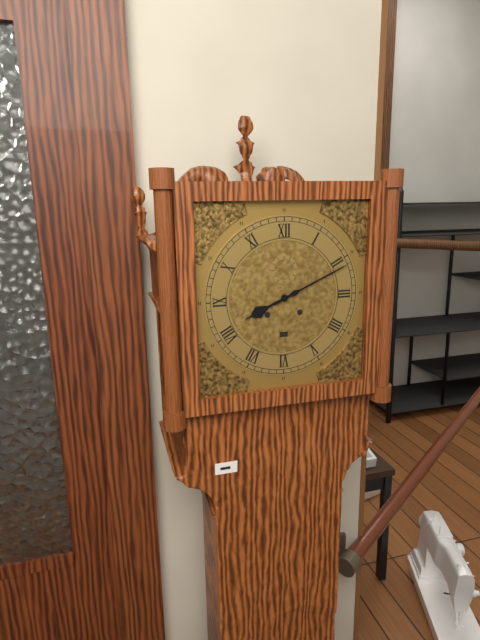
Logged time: **8:11**
